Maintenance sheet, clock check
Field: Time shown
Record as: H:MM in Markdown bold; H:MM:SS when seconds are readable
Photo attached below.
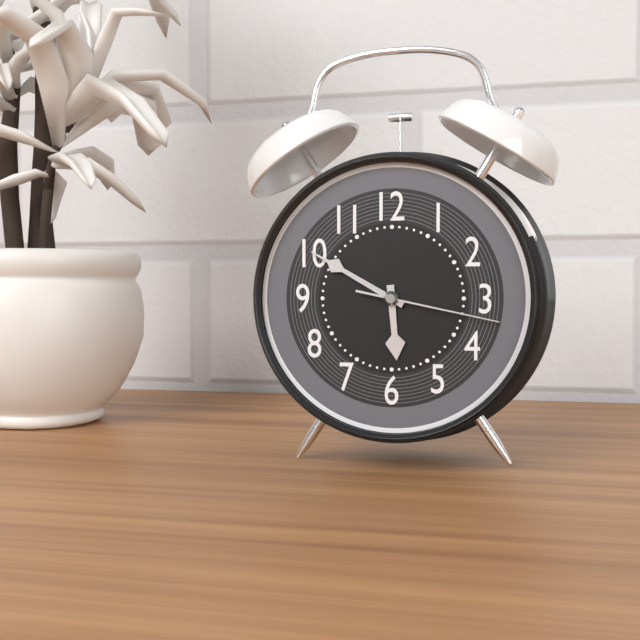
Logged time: **5:50:17**
